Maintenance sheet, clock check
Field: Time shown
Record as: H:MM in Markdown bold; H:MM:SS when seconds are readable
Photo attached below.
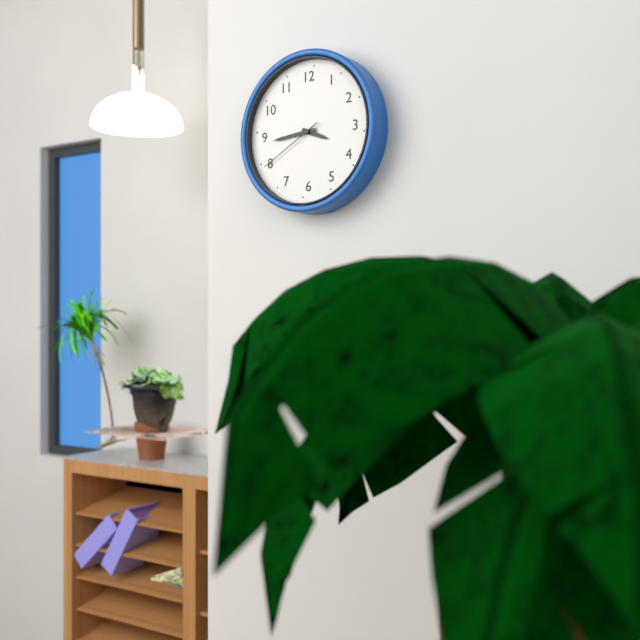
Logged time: **3:44:40**
